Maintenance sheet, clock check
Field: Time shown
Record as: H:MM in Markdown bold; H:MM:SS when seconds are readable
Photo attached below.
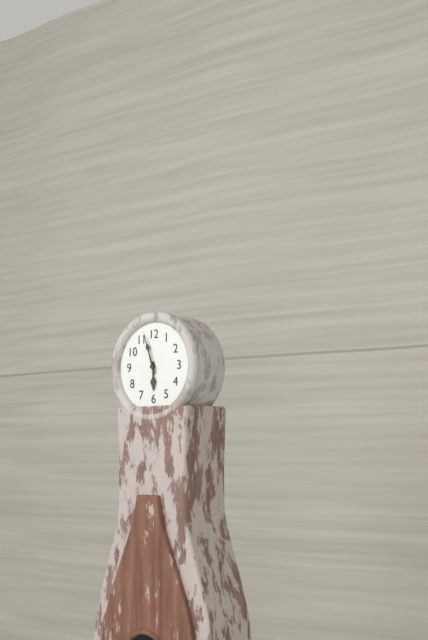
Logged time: **5:57**
